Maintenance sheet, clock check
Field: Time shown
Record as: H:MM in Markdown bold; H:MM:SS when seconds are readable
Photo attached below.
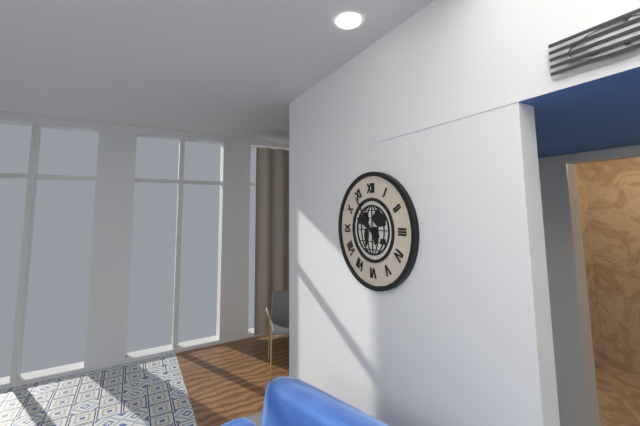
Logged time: **9:54**
